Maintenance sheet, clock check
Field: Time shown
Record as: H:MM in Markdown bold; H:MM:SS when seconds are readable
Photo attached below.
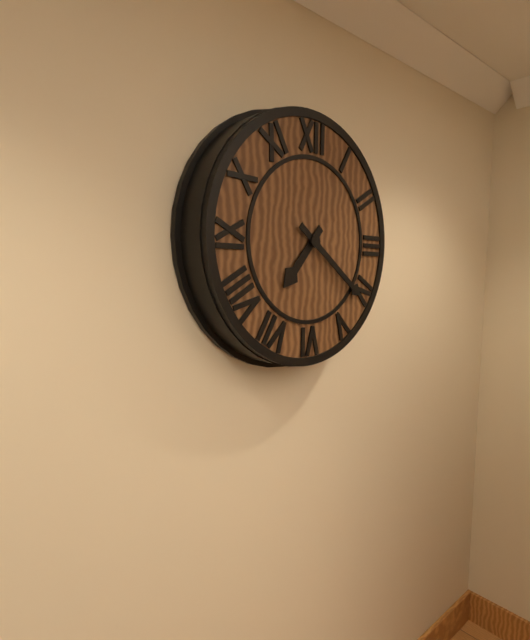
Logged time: **7:21**
